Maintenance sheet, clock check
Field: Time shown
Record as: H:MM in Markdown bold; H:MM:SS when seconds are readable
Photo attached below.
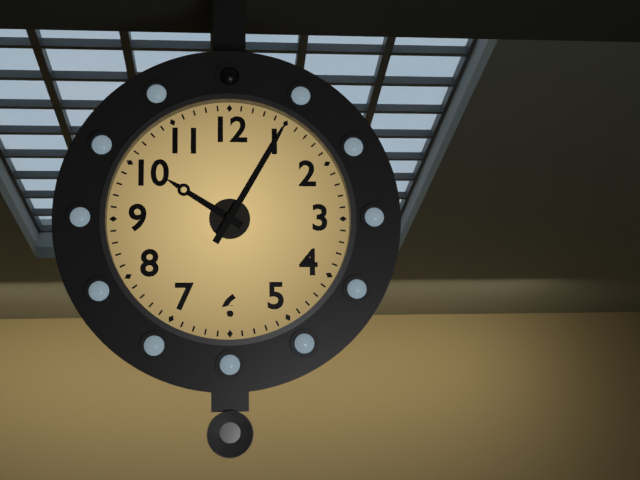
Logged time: **10:05**
